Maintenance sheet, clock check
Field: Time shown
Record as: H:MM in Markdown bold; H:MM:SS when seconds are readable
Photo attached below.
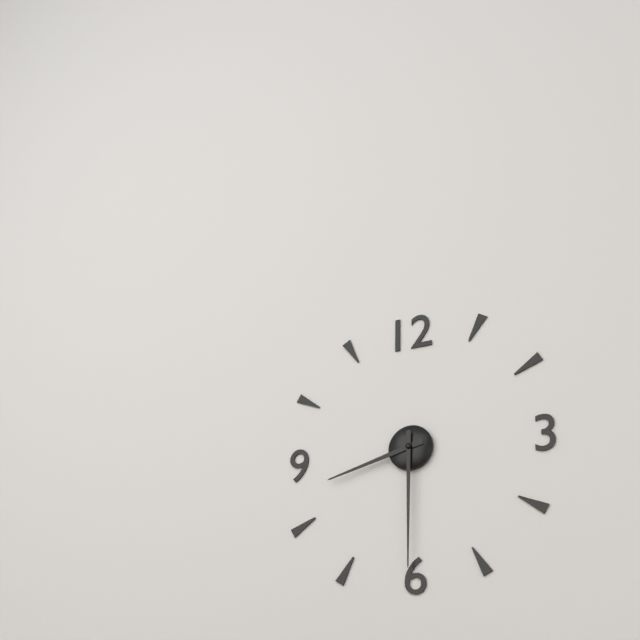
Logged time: **8:30**
